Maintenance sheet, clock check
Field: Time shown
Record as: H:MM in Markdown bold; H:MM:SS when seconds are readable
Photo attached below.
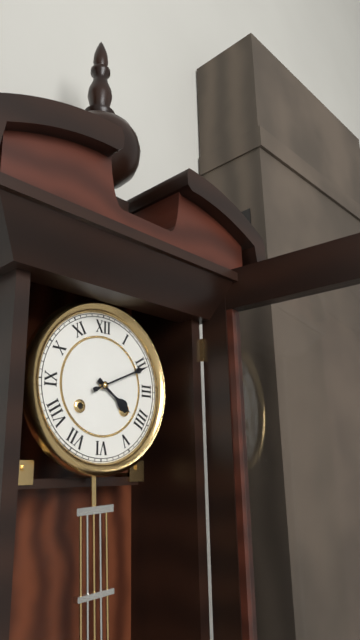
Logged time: **4:11**
